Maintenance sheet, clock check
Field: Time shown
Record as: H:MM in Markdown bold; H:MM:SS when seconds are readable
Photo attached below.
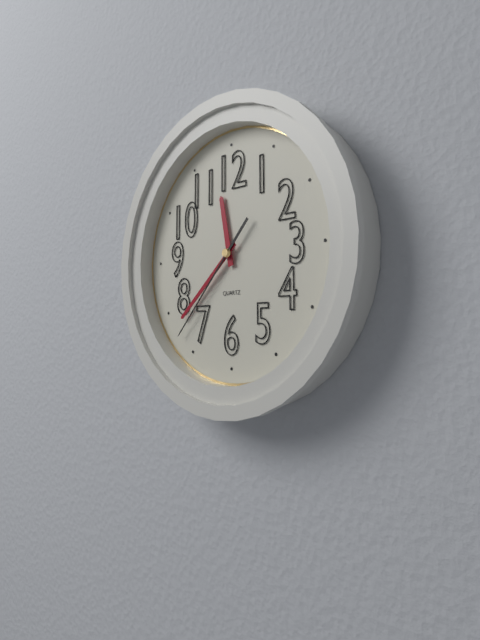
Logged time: **11:38:37**
